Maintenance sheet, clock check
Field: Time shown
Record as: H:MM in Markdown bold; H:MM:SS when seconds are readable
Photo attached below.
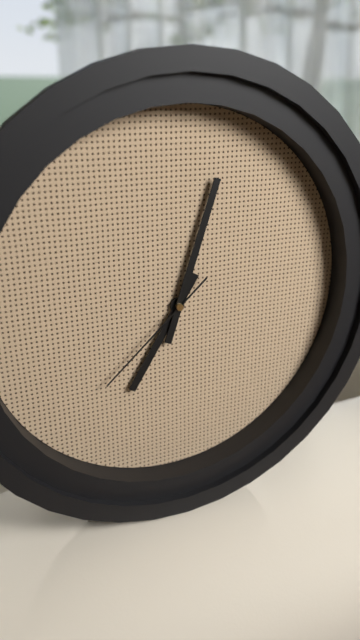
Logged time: **7:03:38**
